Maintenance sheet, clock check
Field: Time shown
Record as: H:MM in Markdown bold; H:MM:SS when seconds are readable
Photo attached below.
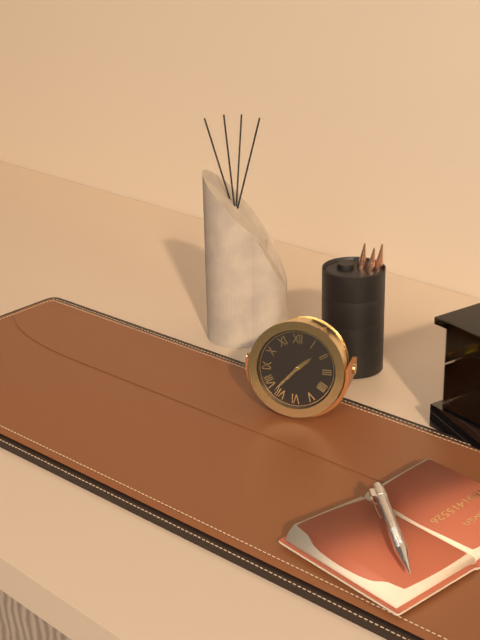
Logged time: **1:37**
